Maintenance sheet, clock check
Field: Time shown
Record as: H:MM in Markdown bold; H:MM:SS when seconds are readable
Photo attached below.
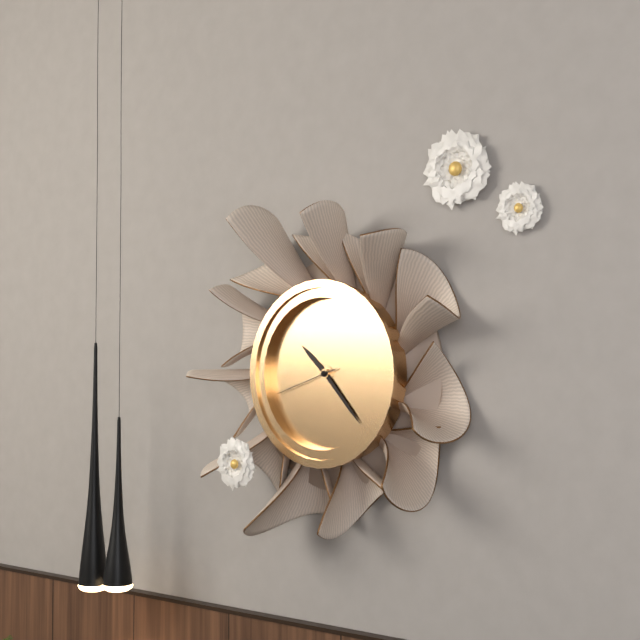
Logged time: **10:23:42**
